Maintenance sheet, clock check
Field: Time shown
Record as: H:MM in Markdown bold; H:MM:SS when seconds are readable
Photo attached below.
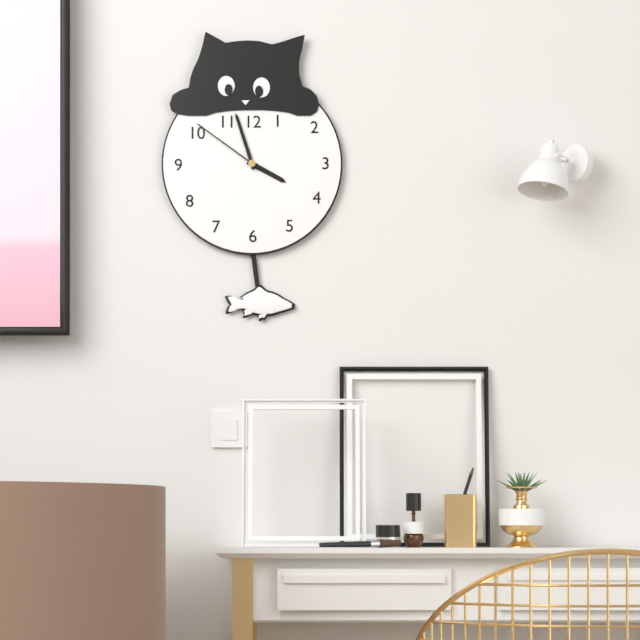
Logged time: **3:57:51**
